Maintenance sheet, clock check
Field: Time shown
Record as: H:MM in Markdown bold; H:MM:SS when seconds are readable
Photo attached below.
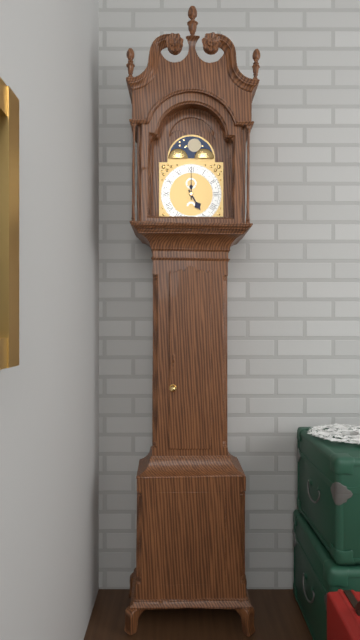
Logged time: **5:00**
